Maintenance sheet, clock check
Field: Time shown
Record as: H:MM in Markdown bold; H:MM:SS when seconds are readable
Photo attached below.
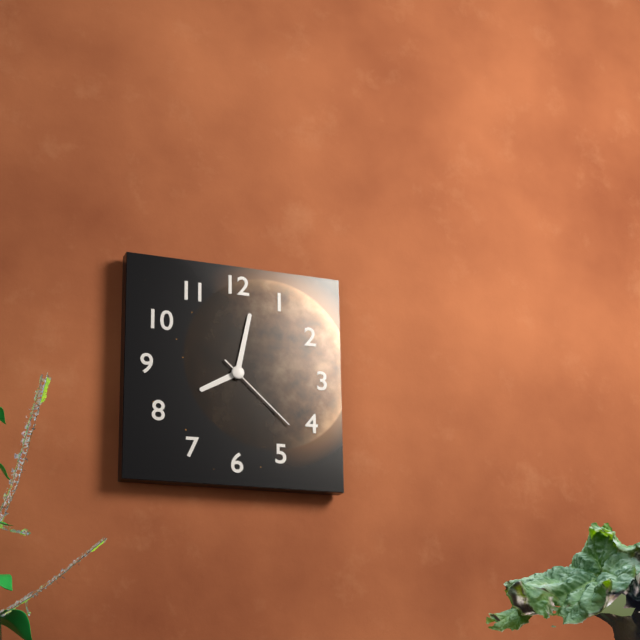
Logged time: **8:02:22**
